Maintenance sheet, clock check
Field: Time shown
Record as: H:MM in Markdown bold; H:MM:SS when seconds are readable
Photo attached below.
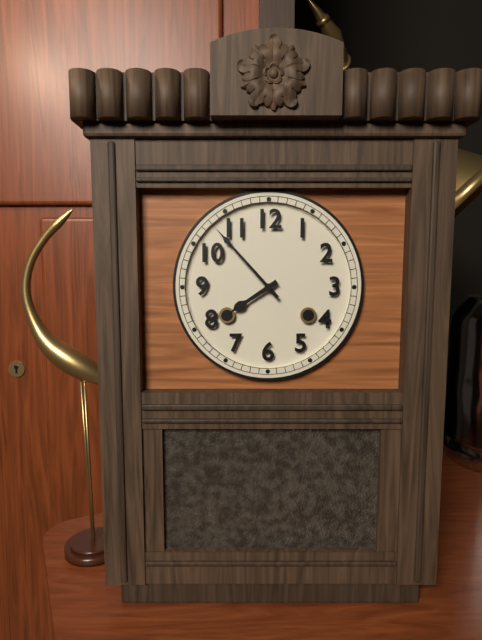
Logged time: **7:53**
